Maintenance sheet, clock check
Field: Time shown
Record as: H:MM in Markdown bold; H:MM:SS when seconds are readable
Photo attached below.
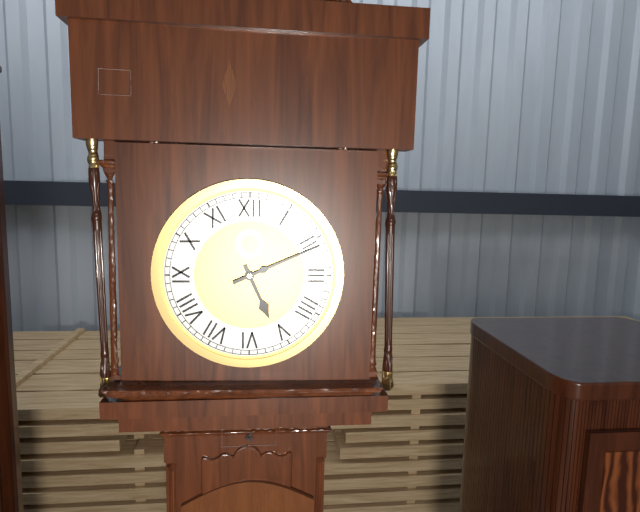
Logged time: **5:11**
